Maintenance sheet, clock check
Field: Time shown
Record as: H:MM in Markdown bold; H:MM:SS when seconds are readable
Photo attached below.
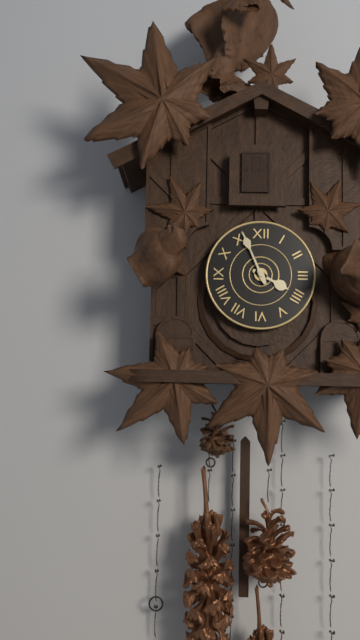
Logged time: **3:56**
